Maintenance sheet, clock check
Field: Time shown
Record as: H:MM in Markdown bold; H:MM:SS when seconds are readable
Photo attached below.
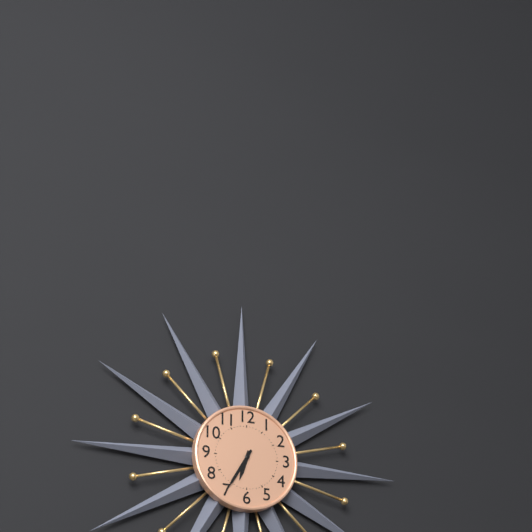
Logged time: **6:35**
